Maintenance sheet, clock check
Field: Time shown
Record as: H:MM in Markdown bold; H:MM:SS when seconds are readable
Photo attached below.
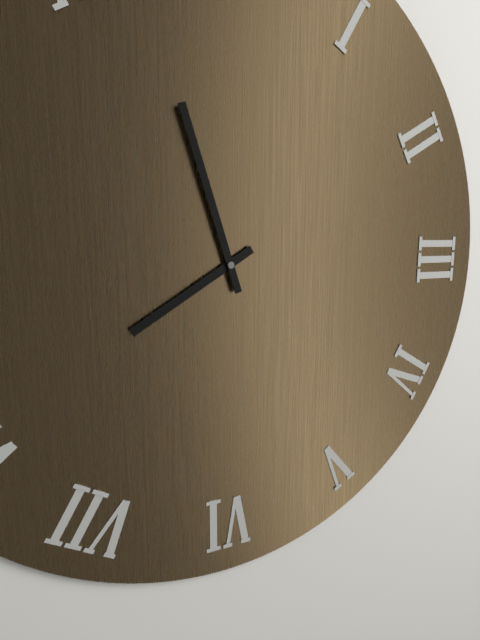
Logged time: **7:57**
